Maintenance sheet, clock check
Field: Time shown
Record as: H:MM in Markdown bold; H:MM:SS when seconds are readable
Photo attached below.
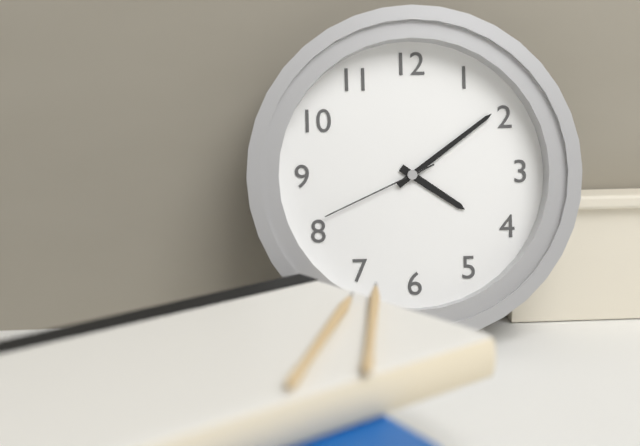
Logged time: **4:09:41**
